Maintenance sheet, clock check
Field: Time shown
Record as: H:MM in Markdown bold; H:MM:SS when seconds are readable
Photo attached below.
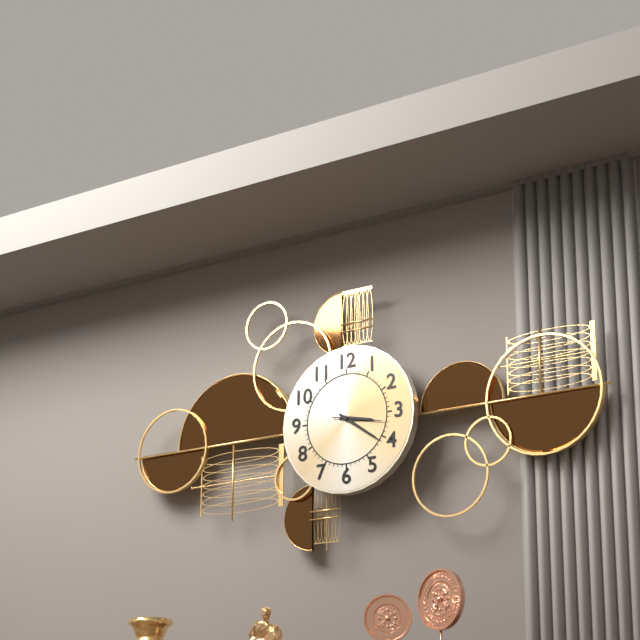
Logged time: **3:21**
